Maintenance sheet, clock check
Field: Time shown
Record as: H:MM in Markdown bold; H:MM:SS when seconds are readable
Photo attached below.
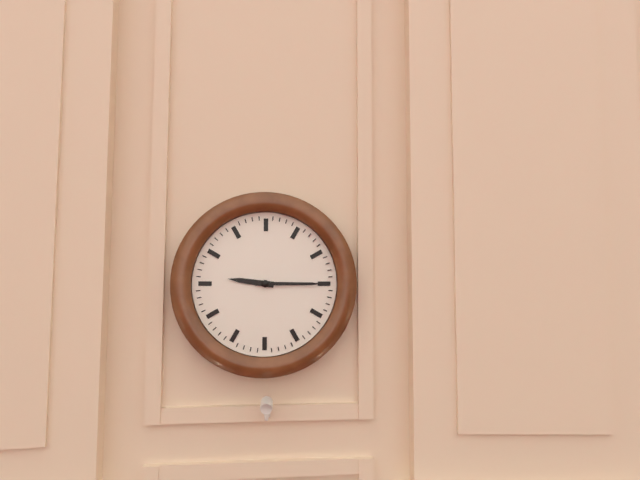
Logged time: **9:15**
